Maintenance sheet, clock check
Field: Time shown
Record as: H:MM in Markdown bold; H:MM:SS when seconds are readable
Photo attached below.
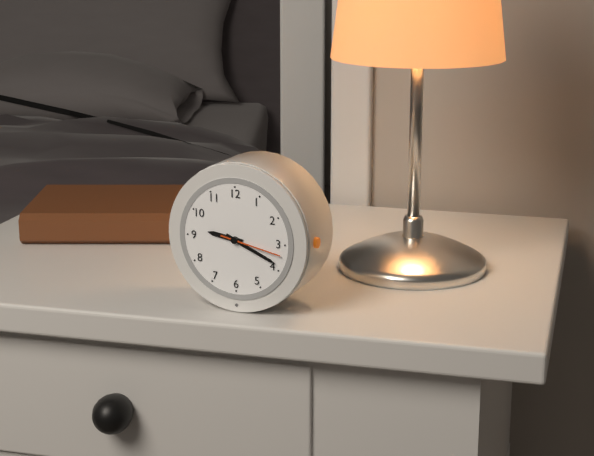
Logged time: **9:19:17**
